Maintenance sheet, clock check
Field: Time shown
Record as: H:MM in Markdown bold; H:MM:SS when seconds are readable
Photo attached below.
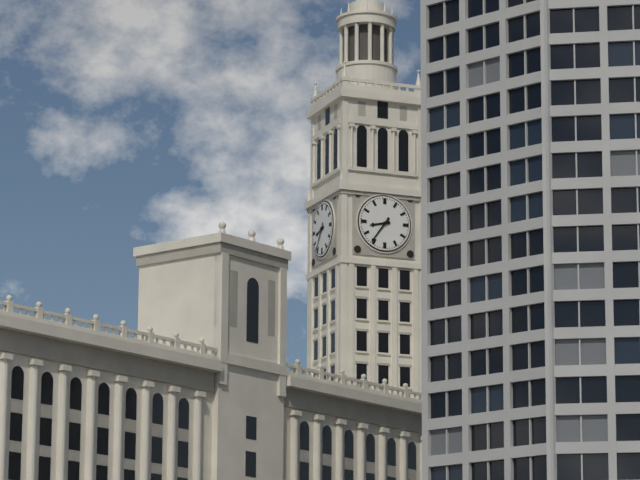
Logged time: **8:36**
